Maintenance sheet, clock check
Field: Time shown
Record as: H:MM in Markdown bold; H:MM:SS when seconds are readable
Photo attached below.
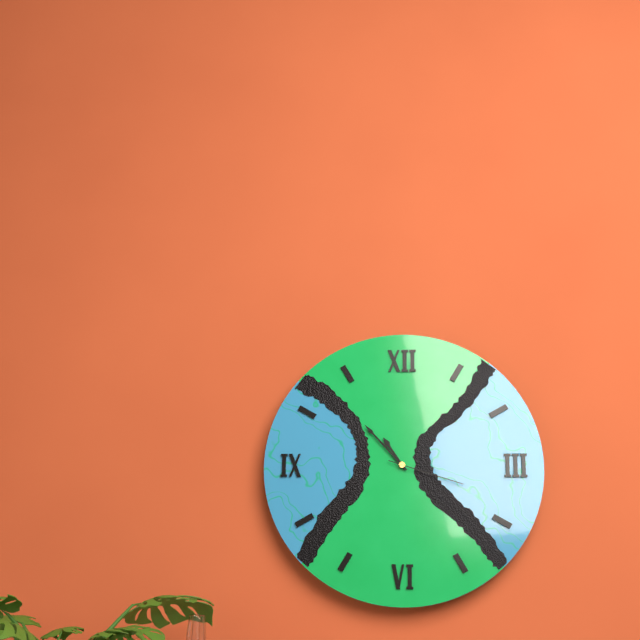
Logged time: **10:53:18**
